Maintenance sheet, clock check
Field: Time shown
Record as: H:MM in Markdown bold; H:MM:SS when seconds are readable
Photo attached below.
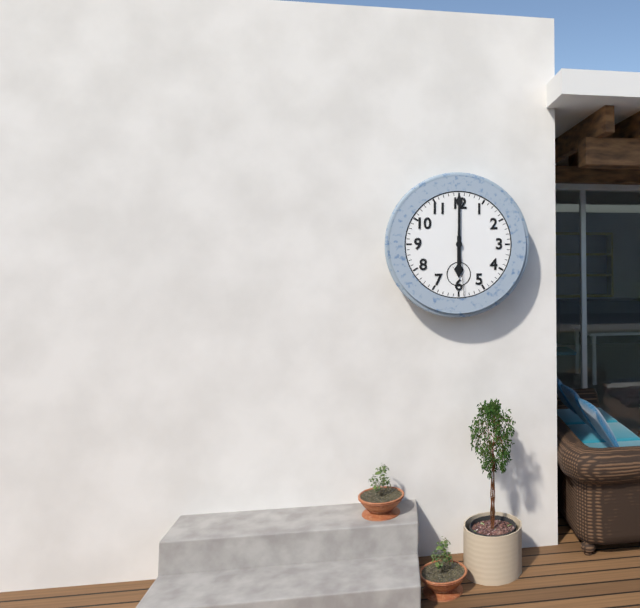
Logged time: **6:00:29**
